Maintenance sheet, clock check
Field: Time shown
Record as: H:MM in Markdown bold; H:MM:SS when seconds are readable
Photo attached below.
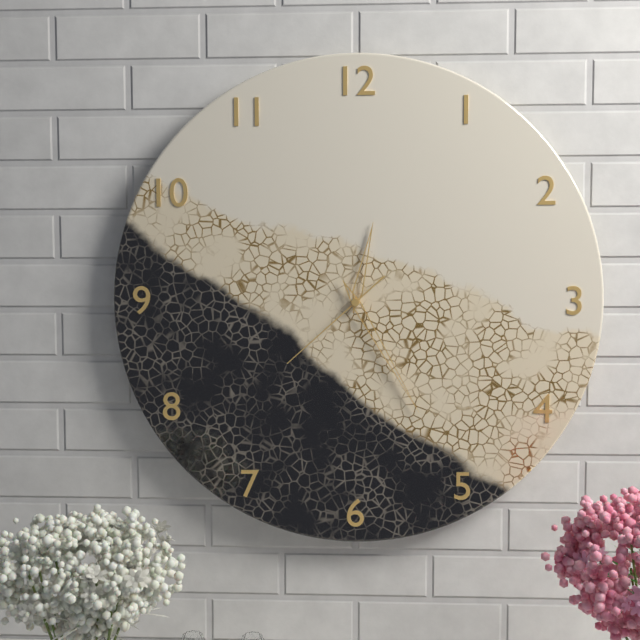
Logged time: **12:25:38**
